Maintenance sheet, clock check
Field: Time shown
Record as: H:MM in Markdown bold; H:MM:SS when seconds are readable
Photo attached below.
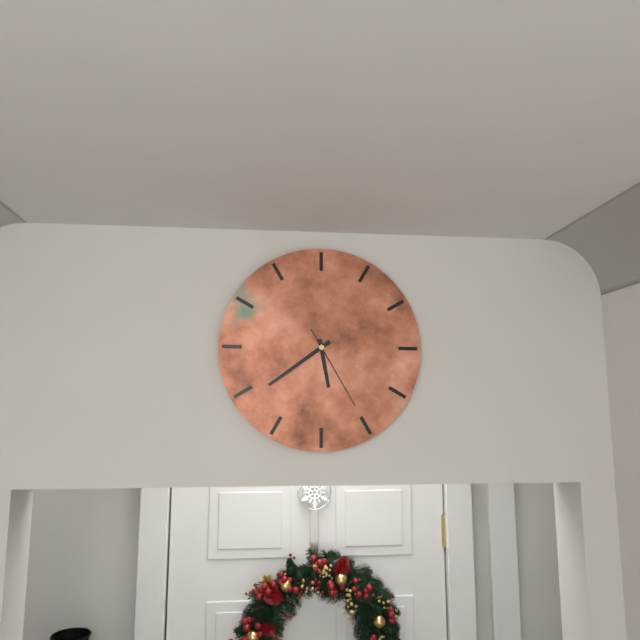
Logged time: **5:39:25**
